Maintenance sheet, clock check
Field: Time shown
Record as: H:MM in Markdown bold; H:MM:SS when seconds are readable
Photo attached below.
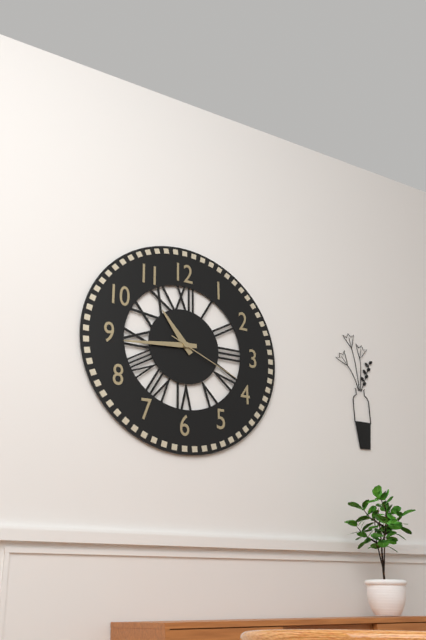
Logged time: **10:44:19**
